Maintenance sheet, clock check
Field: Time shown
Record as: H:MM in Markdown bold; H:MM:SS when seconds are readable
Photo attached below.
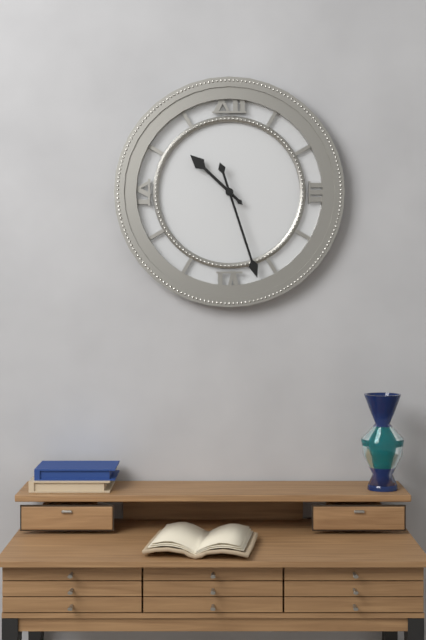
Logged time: **10:27**
